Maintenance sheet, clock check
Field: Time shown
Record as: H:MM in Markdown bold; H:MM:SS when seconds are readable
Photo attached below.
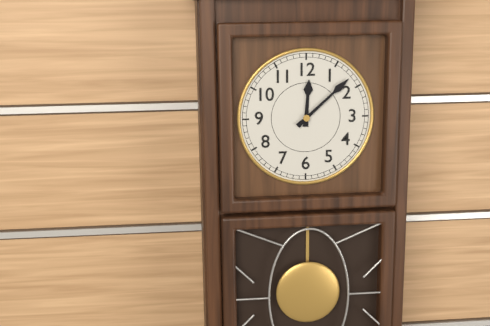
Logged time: **12:08**
